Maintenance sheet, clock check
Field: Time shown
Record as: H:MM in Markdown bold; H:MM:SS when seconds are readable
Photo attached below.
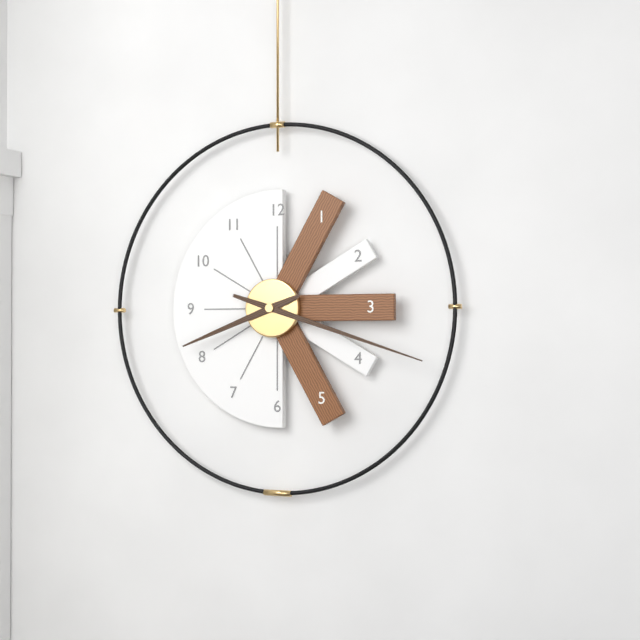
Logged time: **8:18**
